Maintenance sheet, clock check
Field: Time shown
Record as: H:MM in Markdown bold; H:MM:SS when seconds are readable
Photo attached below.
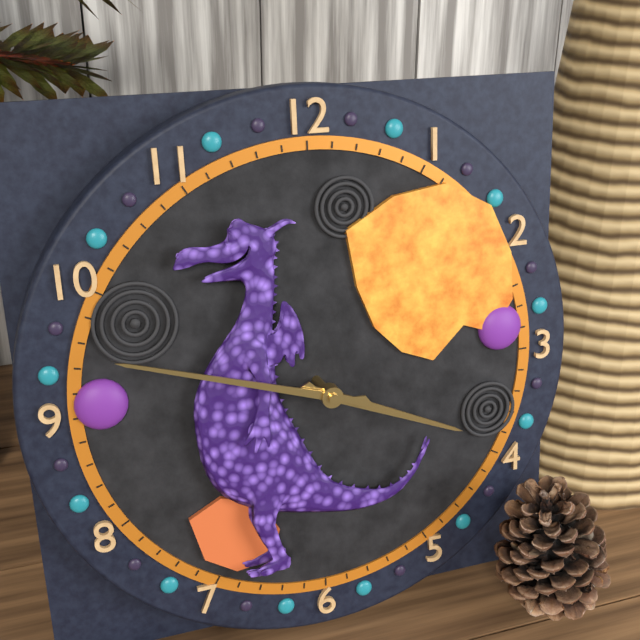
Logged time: **3:48**
